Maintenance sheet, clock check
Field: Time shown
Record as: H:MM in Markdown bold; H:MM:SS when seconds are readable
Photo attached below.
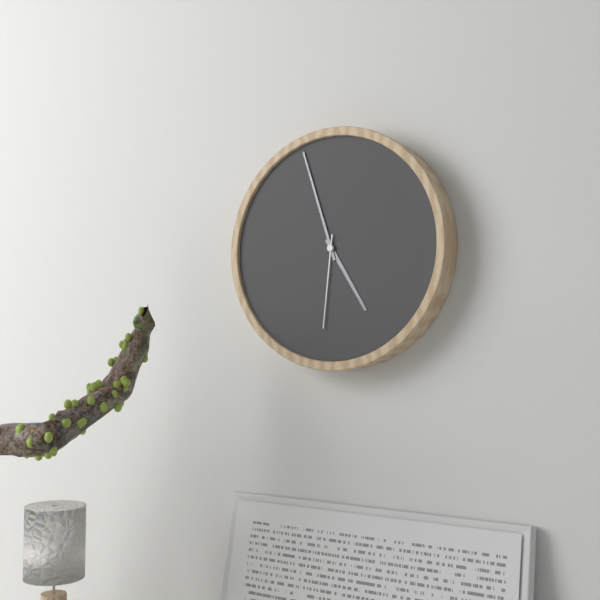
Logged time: **4:57:31**
